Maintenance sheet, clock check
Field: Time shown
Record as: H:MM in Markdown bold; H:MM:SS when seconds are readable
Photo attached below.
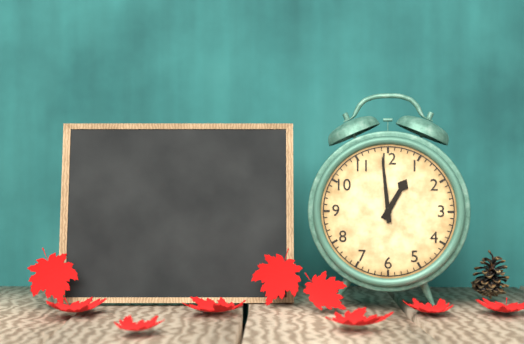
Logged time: **12:59**
